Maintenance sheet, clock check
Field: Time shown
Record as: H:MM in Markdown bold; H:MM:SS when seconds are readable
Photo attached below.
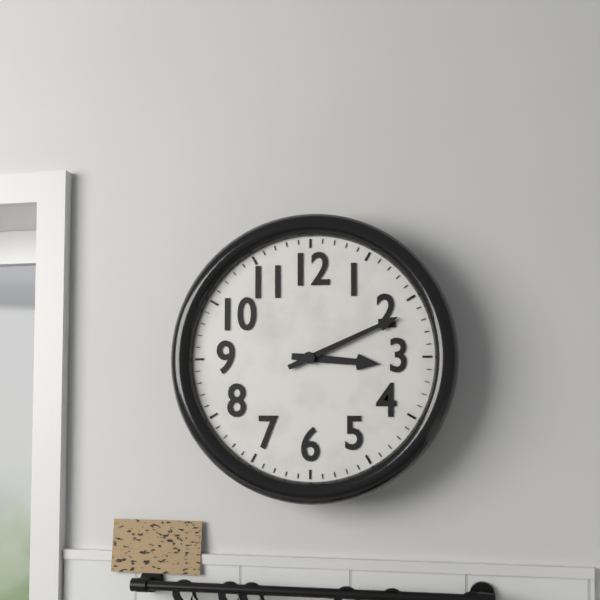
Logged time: **3:11**
